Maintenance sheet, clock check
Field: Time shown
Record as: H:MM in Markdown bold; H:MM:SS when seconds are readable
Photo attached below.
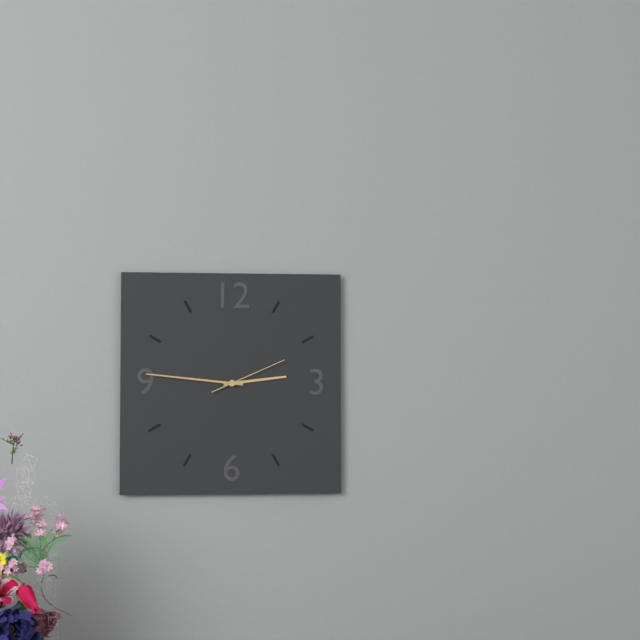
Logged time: **2:46:11**
